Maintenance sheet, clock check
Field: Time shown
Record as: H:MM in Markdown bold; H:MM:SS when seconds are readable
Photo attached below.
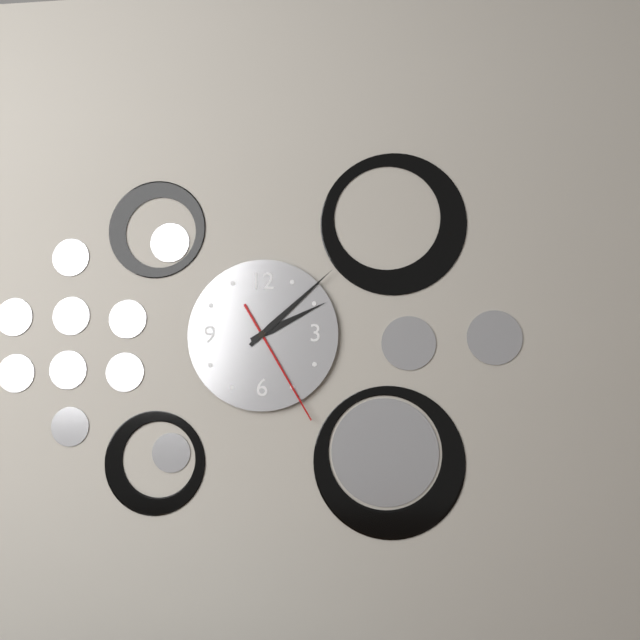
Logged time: **2:08:25**
